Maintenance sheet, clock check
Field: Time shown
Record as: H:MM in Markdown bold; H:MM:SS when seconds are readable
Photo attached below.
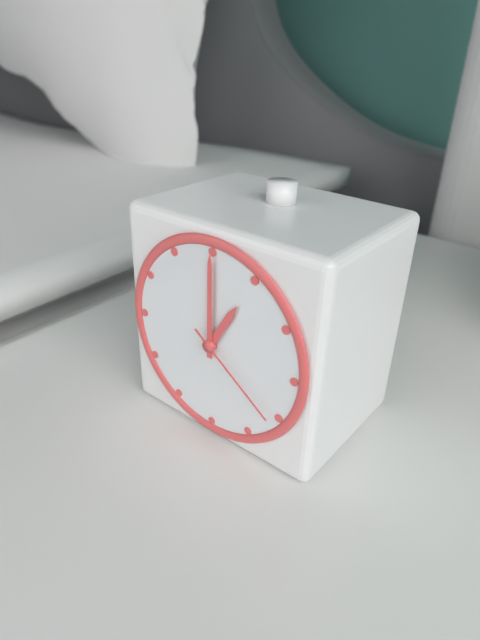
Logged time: **1:00:21**
